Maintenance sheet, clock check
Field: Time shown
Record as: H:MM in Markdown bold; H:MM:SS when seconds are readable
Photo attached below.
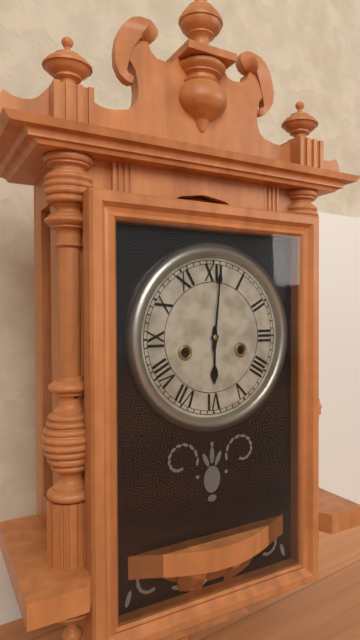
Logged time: **6:01**
